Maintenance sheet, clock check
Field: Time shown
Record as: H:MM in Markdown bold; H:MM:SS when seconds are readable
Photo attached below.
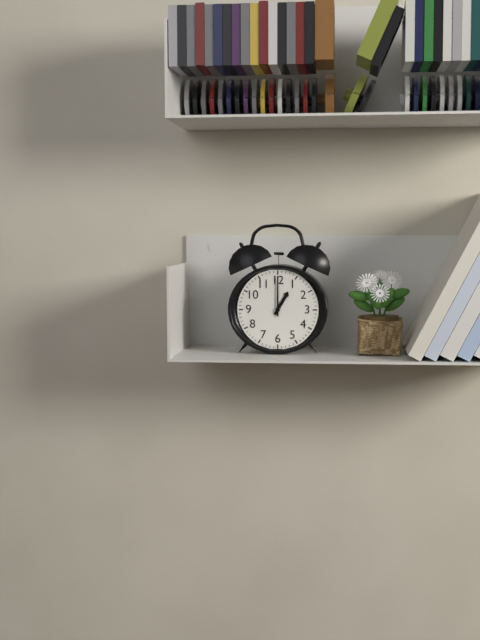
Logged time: **1:00**
